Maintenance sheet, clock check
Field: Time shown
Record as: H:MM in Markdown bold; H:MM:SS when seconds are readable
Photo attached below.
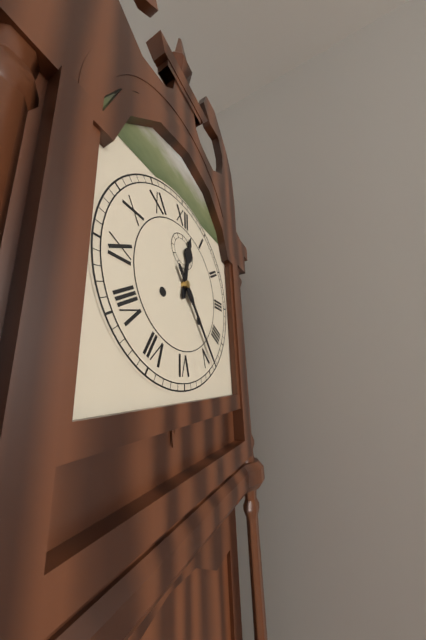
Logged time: **12:24**
